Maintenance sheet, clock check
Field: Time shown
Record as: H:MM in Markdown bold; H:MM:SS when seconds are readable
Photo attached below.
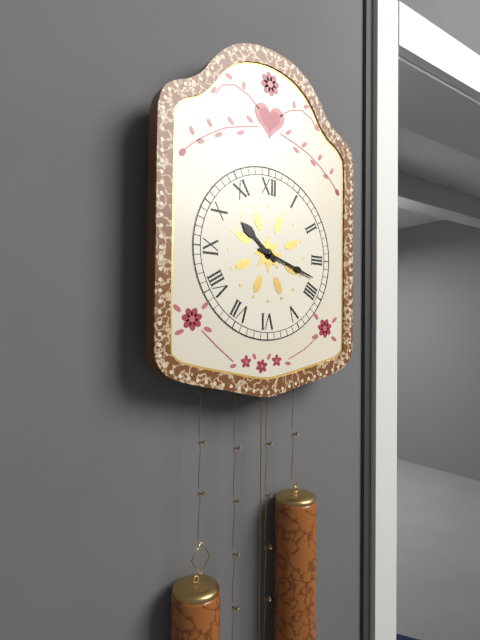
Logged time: **10:18**
